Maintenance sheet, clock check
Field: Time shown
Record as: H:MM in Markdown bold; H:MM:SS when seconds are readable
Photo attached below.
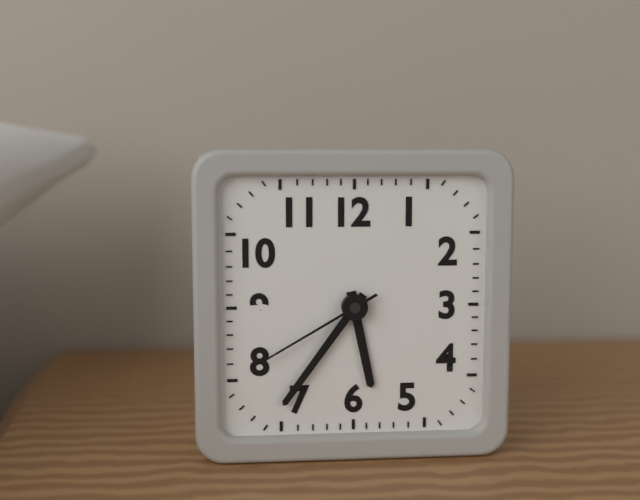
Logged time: **5:36:40**
